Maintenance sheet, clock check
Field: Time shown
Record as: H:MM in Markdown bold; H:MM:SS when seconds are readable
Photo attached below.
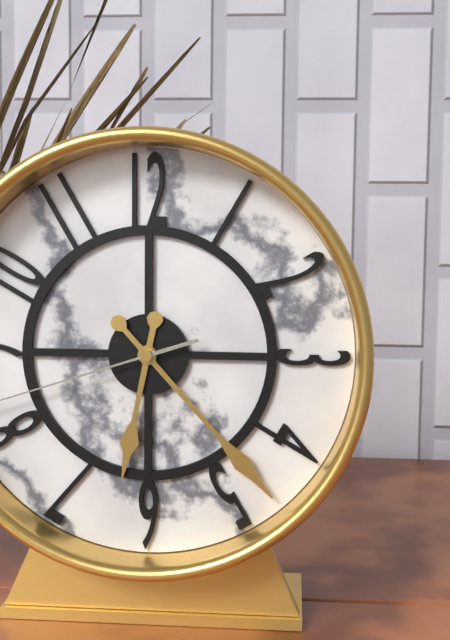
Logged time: **6:23**
